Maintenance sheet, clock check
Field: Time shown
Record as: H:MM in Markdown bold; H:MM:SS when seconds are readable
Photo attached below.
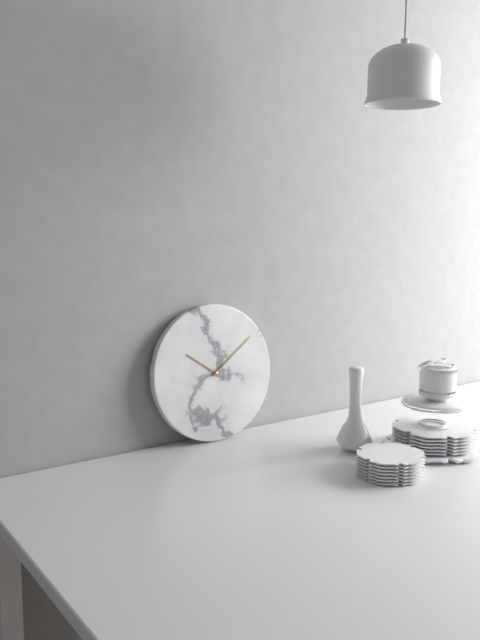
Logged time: **10:09**
